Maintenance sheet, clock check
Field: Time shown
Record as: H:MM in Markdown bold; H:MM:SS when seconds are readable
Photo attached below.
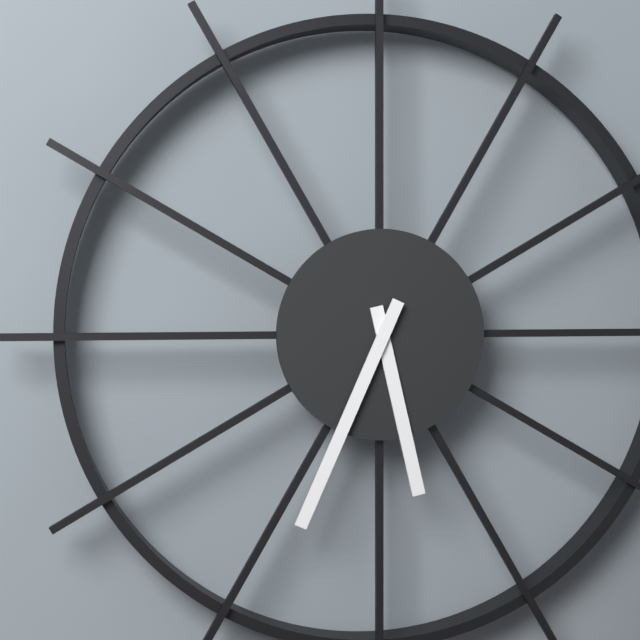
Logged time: **5:34**
